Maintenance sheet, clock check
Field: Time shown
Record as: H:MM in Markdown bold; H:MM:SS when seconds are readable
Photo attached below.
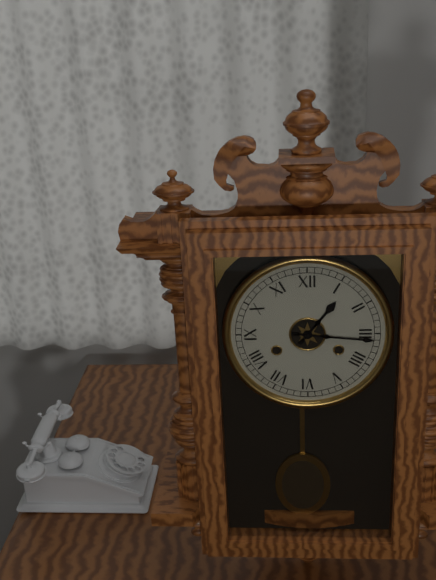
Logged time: **1:16**
